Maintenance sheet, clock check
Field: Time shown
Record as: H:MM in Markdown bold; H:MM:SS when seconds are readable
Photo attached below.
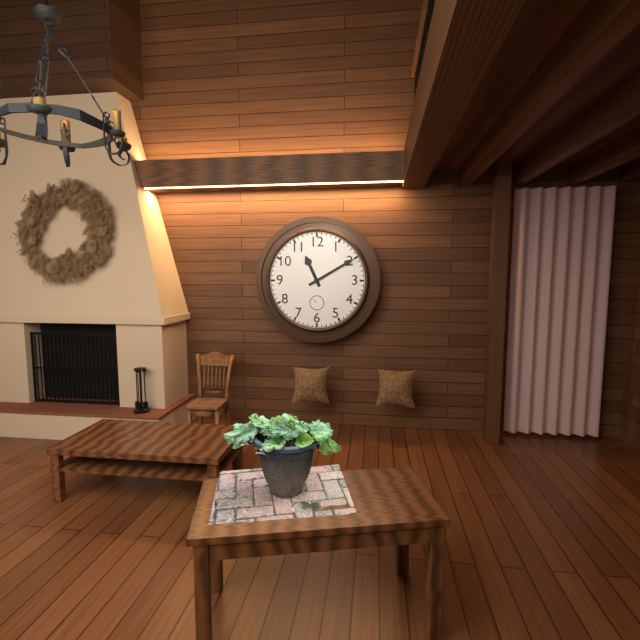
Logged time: **11:10**
